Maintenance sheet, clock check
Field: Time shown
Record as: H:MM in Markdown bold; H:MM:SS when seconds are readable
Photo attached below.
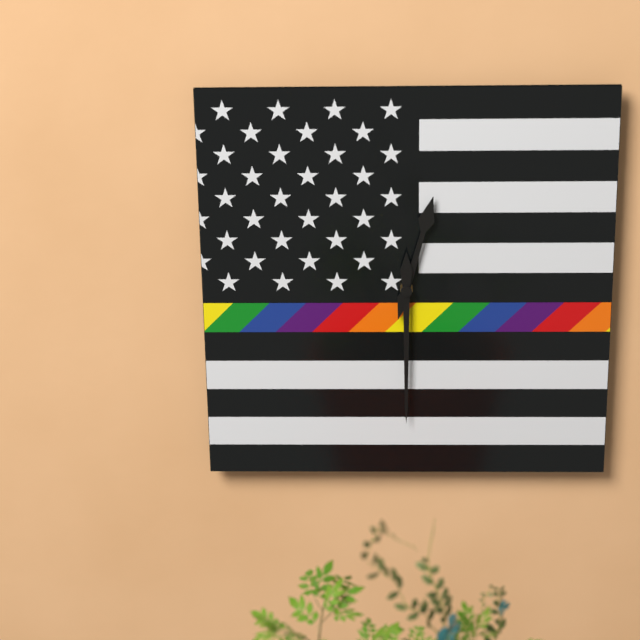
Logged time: **12:30**
